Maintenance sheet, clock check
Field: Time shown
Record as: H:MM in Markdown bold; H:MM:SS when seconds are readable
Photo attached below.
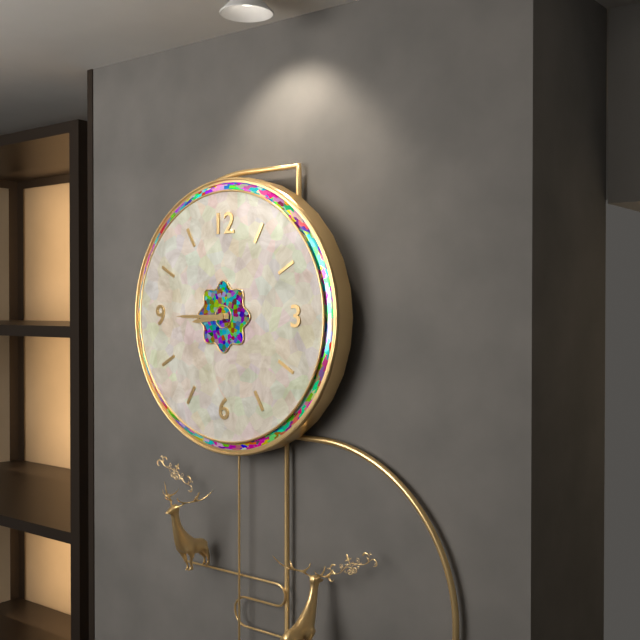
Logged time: **8:45**
